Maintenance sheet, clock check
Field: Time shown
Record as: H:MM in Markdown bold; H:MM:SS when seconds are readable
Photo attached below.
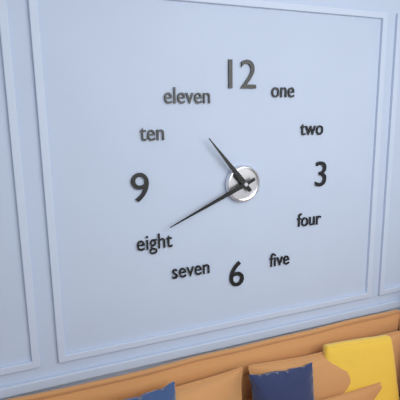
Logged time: **10:41**
